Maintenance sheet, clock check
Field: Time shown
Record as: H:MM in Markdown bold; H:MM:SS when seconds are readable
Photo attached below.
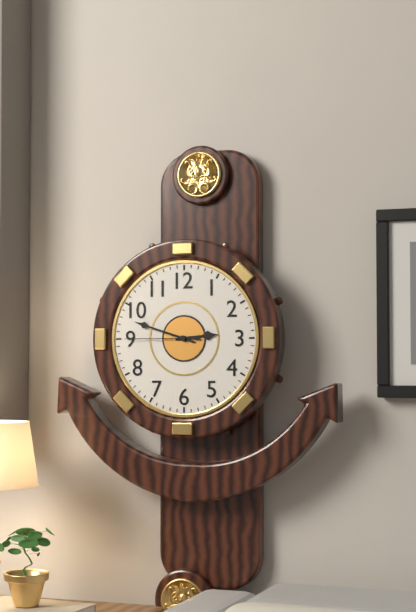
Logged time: **2:48:45**
